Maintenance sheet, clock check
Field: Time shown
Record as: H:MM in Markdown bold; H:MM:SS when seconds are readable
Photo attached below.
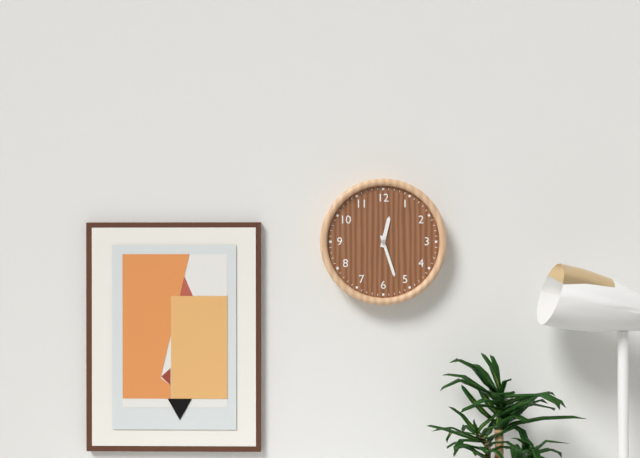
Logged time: **12:27**
